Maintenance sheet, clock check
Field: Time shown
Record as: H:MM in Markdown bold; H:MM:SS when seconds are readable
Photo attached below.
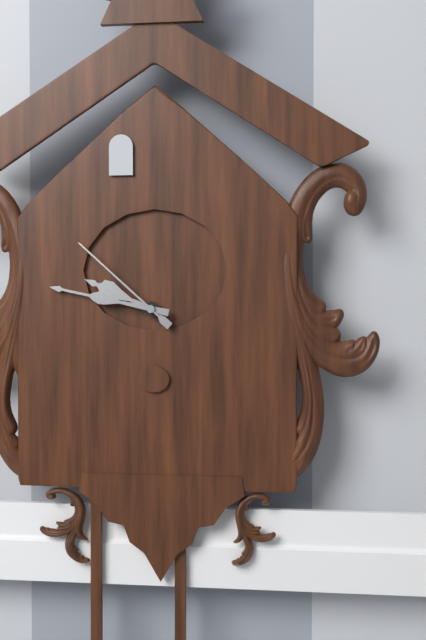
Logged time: **9:47:52**
